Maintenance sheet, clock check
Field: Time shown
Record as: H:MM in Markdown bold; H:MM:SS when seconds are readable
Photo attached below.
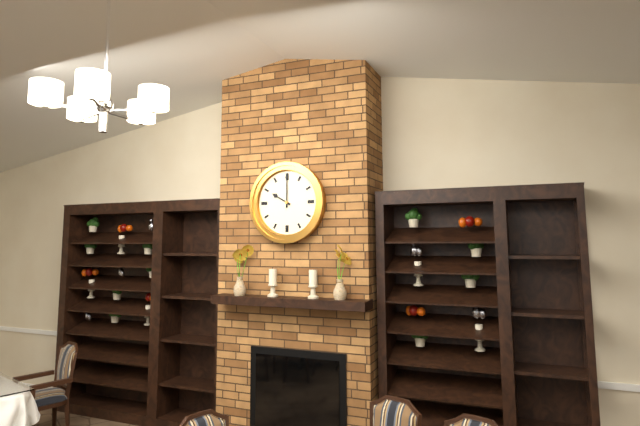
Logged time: **10:00**
